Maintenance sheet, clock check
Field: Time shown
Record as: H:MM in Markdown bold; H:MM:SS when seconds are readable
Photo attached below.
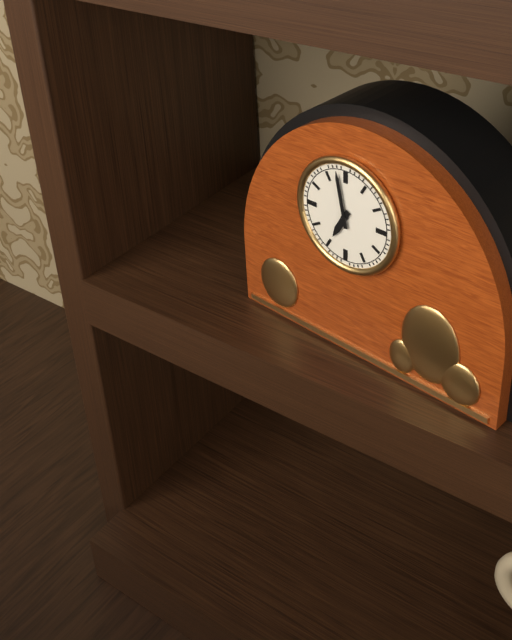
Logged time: **6:58**
